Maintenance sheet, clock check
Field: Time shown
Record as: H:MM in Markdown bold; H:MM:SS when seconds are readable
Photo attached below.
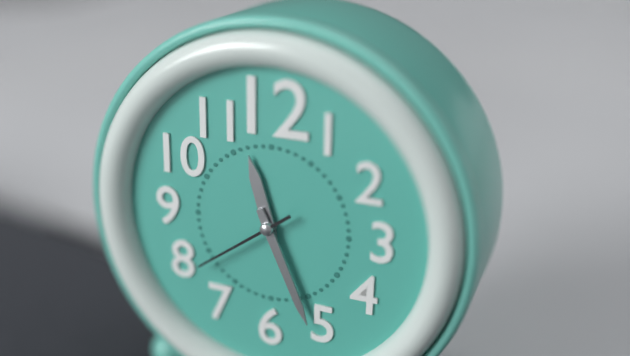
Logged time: **11:26:39**
